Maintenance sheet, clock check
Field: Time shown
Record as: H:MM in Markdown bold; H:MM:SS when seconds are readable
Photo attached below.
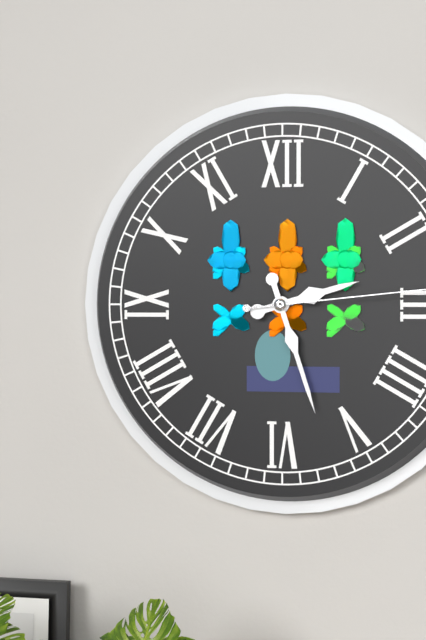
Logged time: **2:27**
